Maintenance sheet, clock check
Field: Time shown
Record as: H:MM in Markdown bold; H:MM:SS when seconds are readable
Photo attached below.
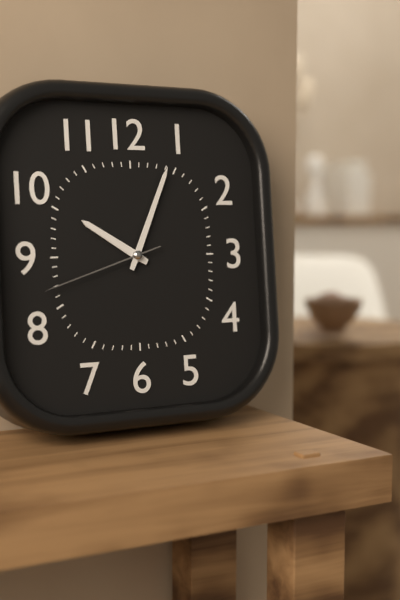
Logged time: **10:04:42**
